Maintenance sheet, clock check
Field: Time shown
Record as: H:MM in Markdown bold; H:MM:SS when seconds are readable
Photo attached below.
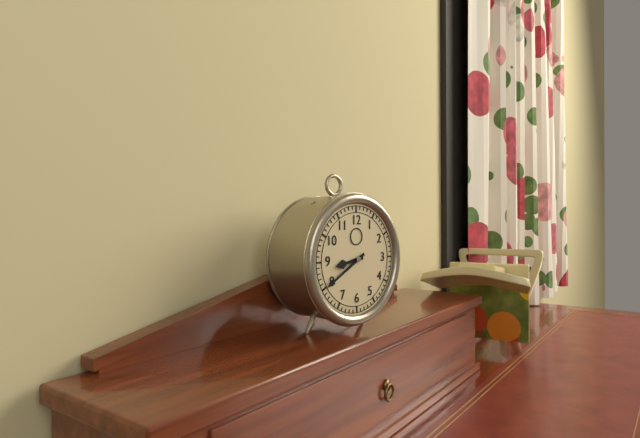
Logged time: **8:40**
